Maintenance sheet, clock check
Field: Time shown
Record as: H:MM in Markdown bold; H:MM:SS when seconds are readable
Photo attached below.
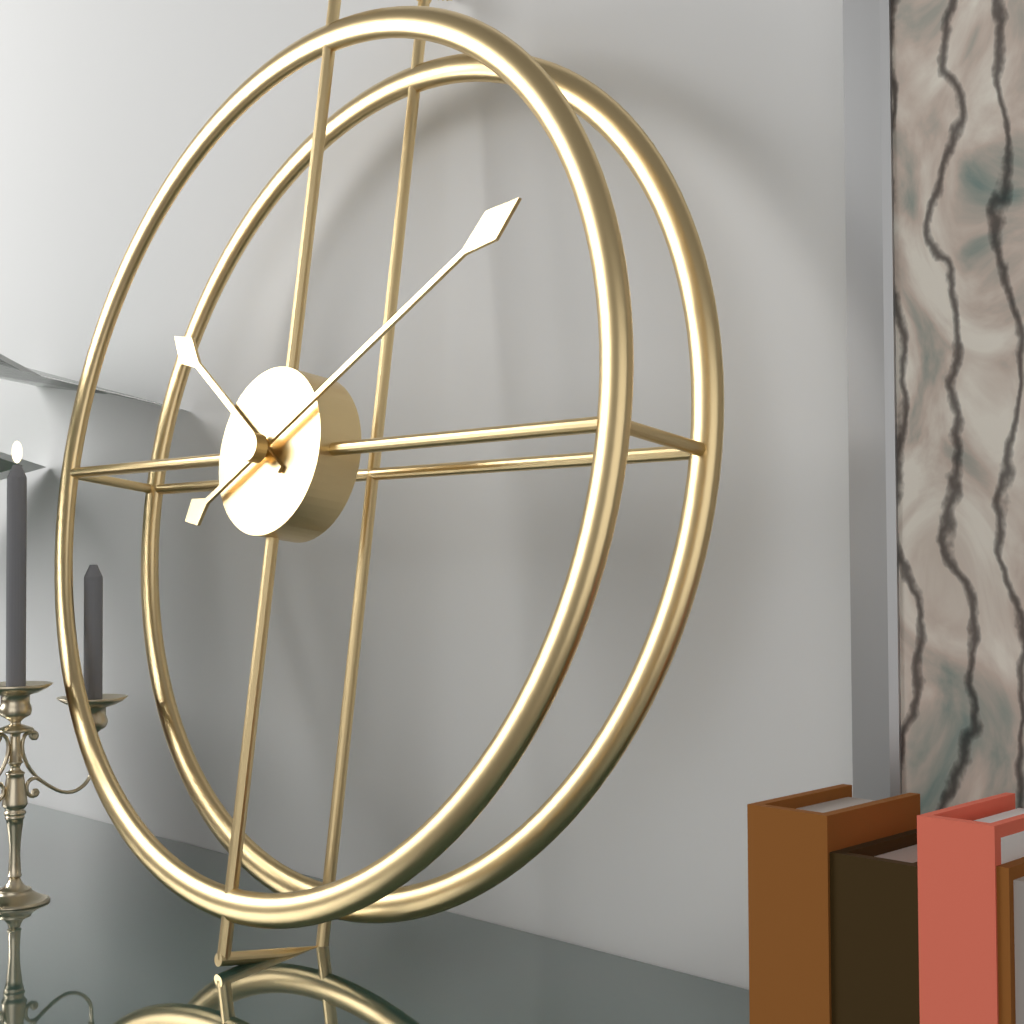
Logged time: **10:10**
